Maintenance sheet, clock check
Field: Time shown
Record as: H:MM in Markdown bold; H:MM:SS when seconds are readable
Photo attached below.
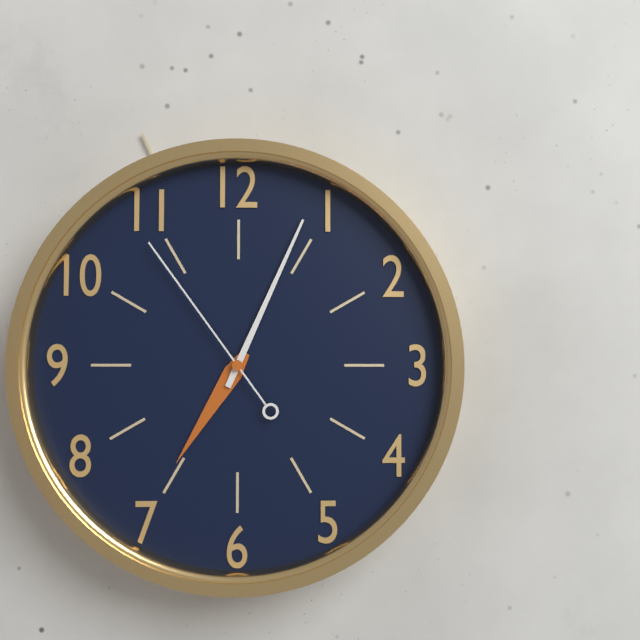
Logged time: **7:04:54**
